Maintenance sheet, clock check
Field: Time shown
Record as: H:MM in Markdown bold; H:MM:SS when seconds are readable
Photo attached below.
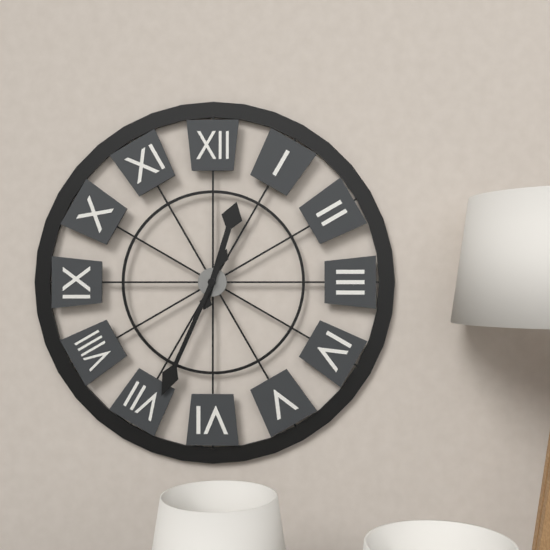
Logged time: **12:34**
